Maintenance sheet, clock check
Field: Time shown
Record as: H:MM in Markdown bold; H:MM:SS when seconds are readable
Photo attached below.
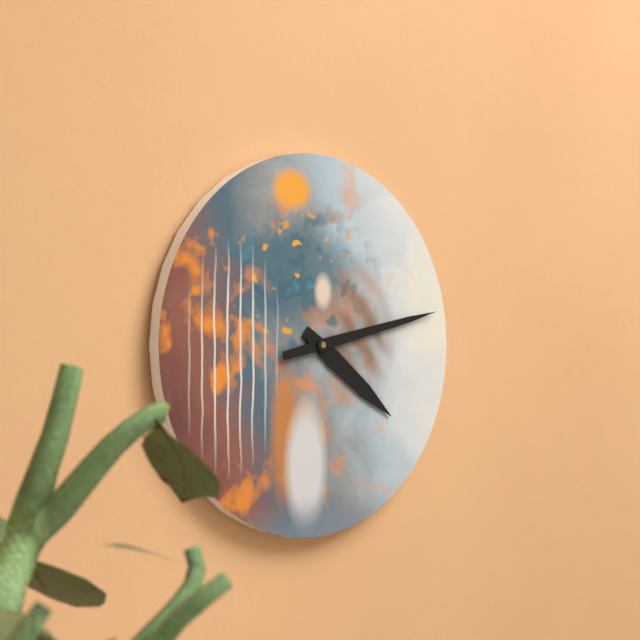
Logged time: **4:13**
